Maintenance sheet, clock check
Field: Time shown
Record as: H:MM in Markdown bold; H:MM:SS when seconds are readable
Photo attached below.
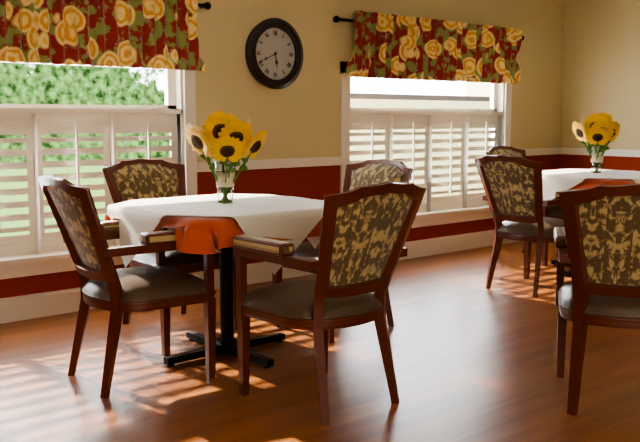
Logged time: **5:41**
